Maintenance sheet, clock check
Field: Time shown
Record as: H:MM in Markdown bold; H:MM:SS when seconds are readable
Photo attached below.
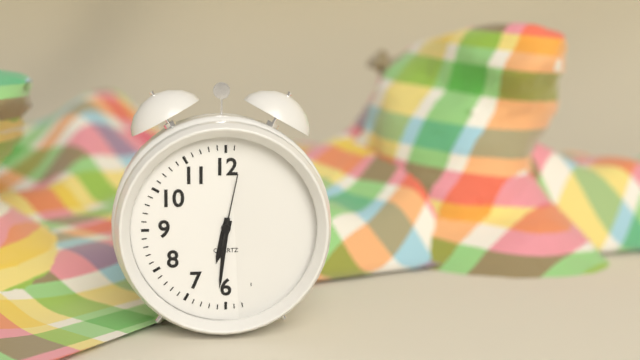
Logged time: **6:31:02**
